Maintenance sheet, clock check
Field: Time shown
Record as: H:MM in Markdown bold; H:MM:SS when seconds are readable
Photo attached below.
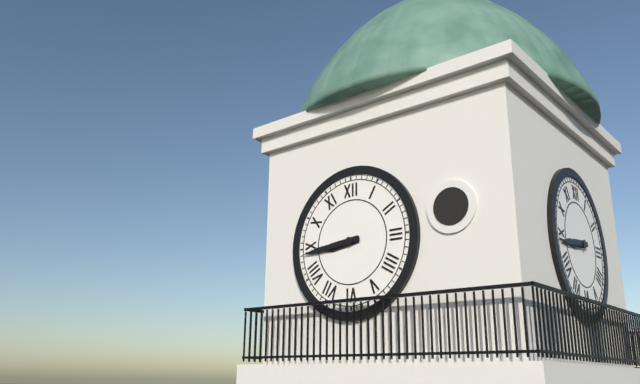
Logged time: **8:44**
